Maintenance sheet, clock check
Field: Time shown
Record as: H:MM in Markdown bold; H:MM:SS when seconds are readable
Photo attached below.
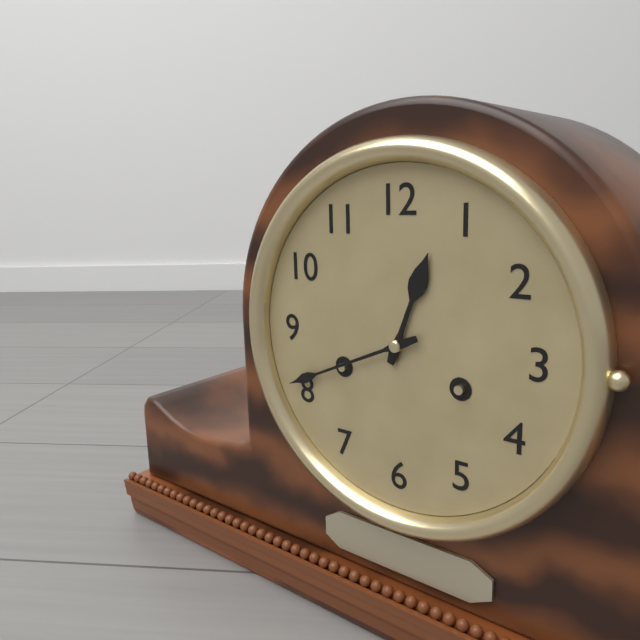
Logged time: **12:41**
